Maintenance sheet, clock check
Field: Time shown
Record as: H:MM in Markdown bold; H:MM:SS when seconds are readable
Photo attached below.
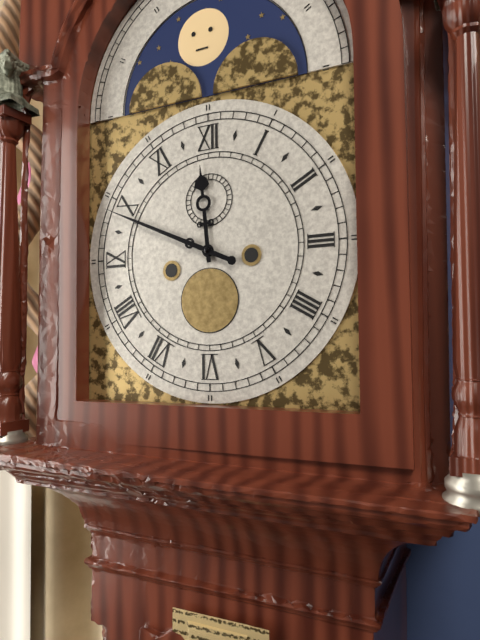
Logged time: **11:49**
